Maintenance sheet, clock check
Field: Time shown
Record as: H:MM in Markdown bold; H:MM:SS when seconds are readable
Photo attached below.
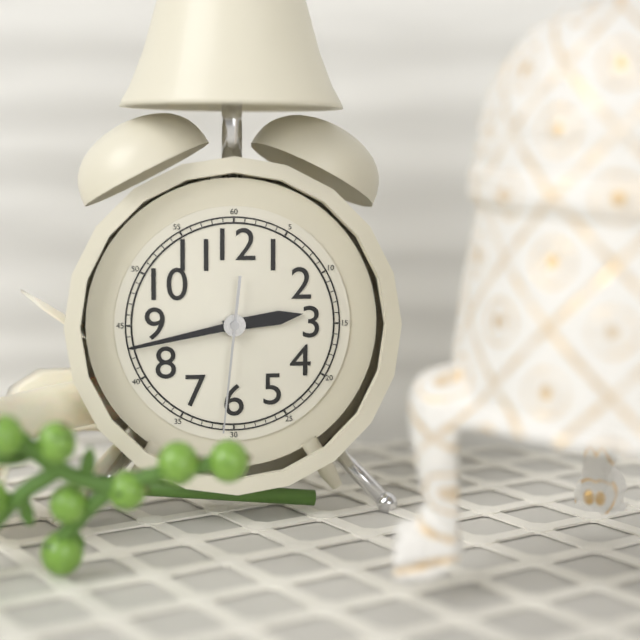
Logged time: **2:43:31**
